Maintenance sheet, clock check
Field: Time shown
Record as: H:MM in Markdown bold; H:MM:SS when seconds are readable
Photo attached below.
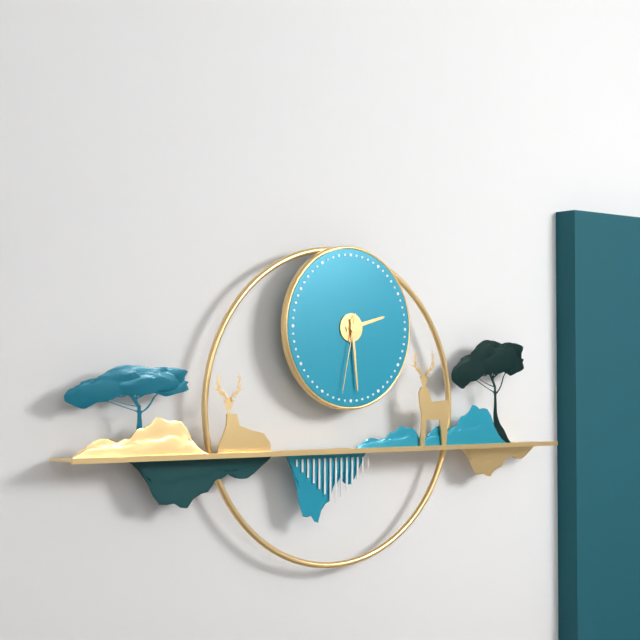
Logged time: **2:29:32**
